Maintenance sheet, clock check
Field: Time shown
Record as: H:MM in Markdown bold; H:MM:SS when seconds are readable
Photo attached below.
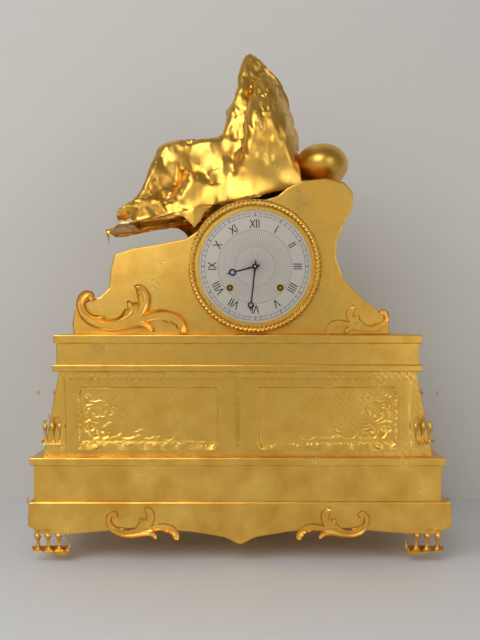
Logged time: **8:31**
